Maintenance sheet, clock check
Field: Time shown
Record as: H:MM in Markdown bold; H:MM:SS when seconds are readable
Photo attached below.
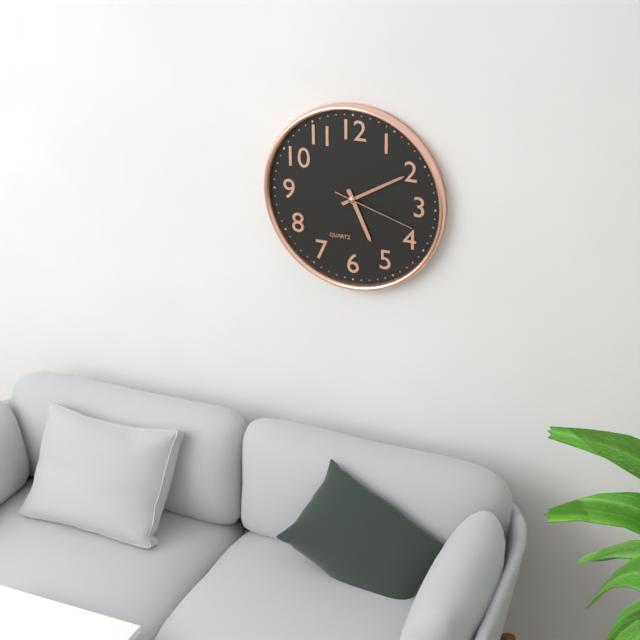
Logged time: **5:10:18**
